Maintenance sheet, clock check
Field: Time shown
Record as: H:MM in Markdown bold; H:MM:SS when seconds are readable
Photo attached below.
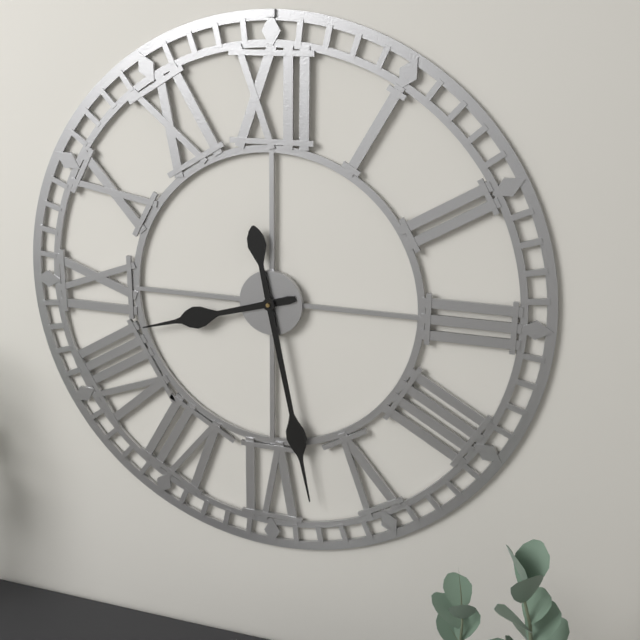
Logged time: **8:28**
